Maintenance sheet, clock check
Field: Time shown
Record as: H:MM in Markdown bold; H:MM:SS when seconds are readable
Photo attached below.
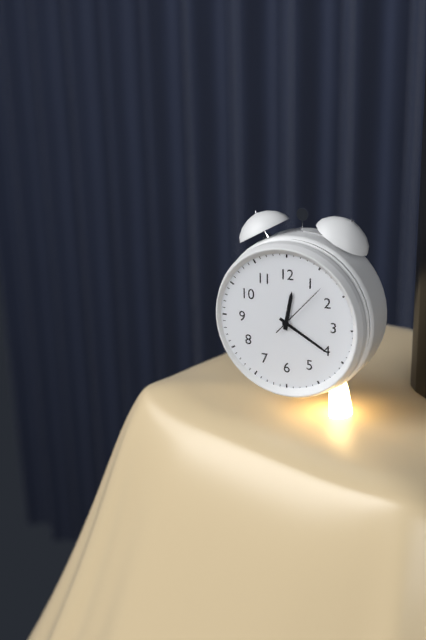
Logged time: **12:20:07**
